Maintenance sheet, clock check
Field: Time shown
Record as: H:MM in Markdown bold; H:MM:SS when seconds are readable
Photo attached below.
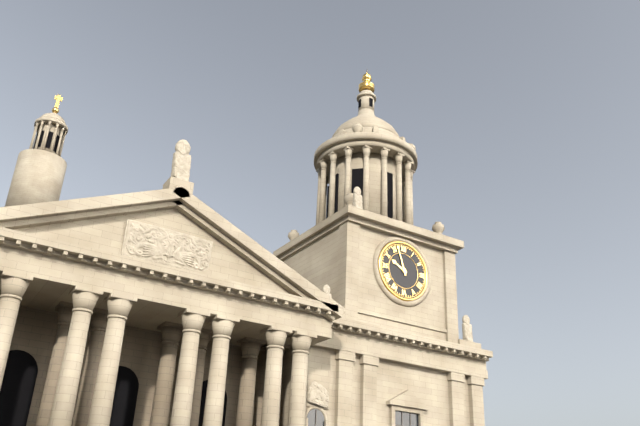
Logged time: **9:57**
